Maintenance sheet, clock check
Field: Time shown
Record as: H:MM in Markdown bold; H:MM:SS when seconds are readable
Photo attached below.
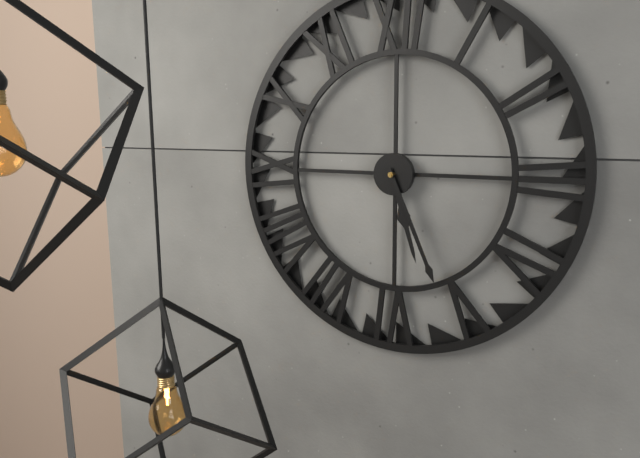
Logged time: **5:26**
